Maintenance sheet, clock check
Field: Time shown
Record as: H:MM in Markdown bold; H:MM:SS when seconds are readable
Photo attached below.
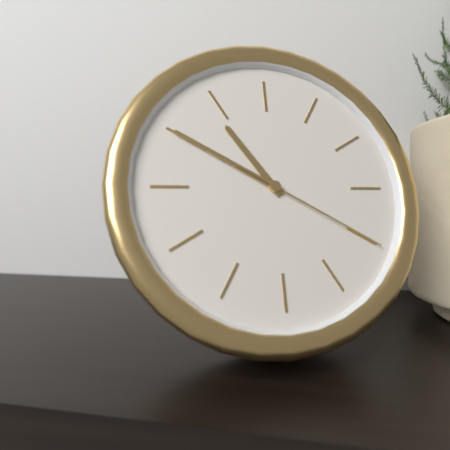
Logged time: **10:50:20**
